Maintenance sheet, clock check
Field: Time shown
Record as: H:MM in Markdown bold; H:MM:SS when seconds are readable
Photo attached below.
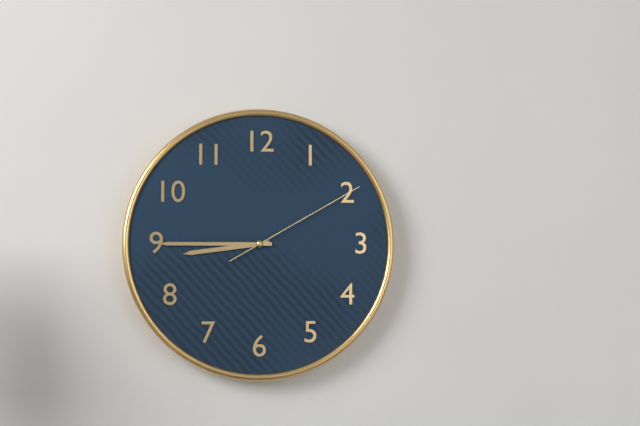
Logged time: **8:45:10**
